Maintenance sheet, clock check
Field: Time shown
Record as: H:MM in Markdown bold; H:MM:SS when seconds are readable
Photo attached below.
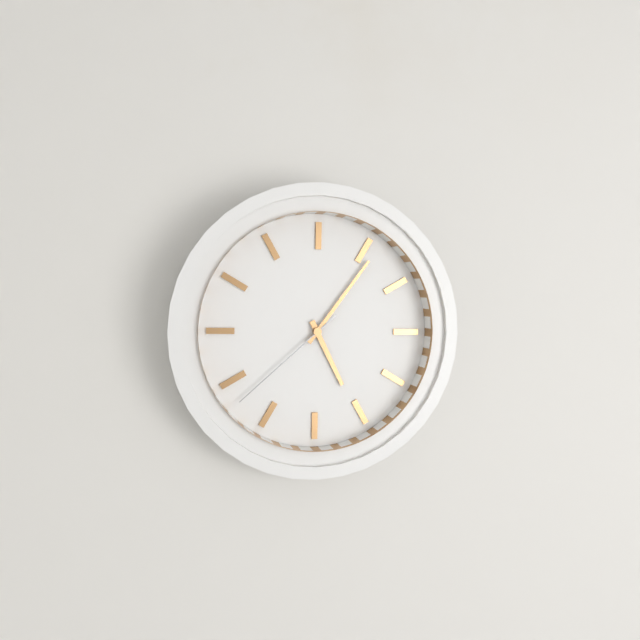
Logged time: **5:06:38**
